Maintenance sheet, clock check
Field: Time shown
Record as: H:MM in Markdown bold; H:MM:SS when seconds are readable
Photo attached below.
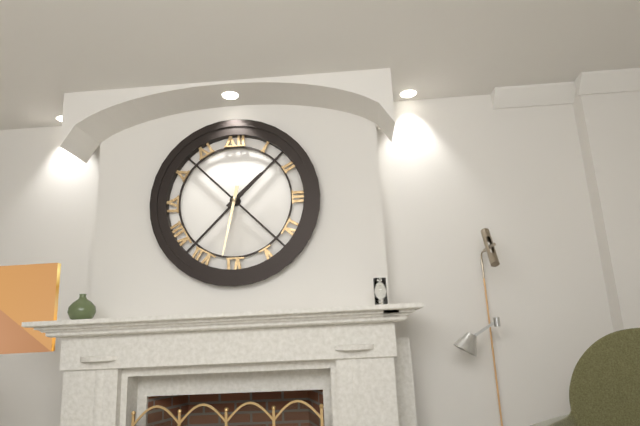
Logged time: **1:32**
